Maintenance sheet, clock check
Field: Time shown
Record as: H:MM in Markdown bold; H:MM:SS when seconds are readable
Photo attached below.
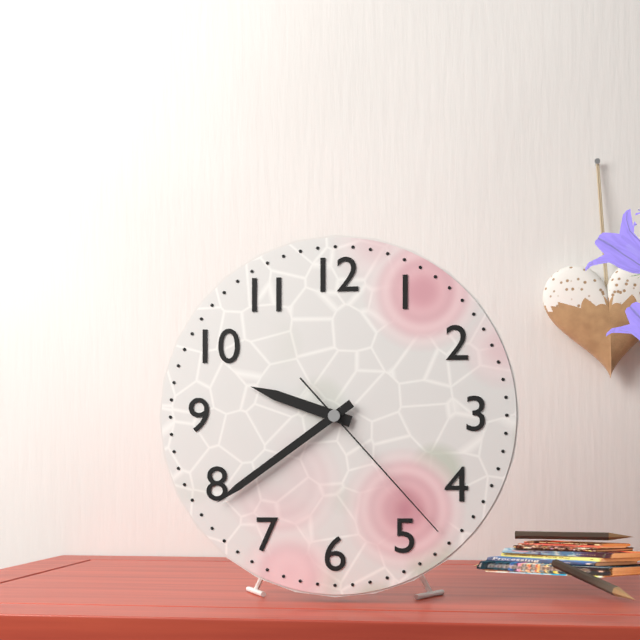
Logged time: **9:39:23**
